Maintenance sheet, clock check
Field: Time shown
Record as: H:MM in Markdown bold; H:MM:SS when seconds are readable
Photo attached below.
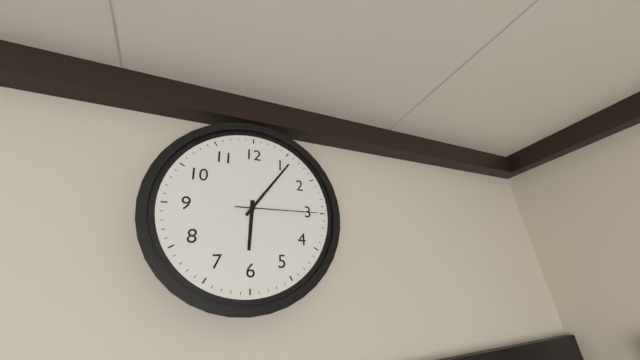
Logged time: **6:06:15**
